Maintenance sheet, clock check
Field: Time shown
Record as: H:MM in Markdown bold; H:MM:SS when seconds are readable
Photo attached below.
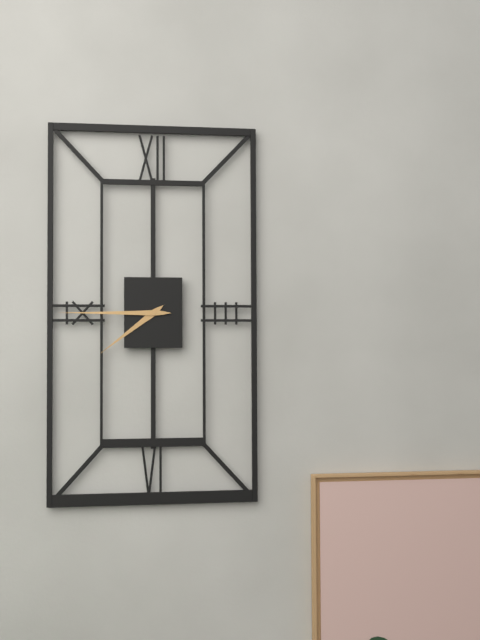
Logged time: **7:45**
